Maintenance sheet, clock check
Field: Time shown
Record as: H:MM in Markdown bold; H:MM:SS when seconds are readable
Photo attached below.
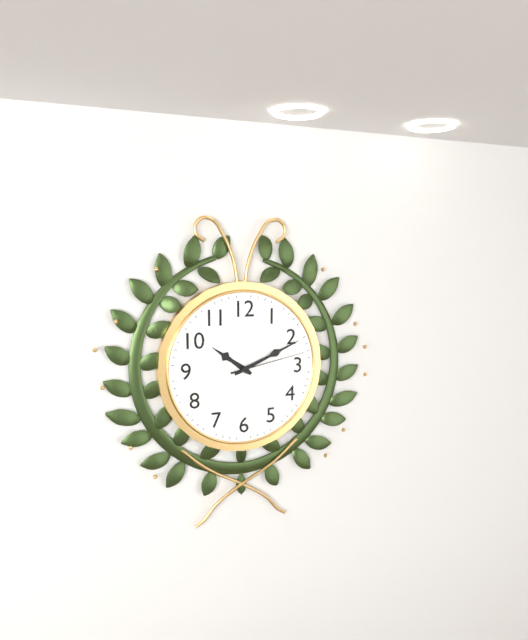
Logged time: **10:11:13**
